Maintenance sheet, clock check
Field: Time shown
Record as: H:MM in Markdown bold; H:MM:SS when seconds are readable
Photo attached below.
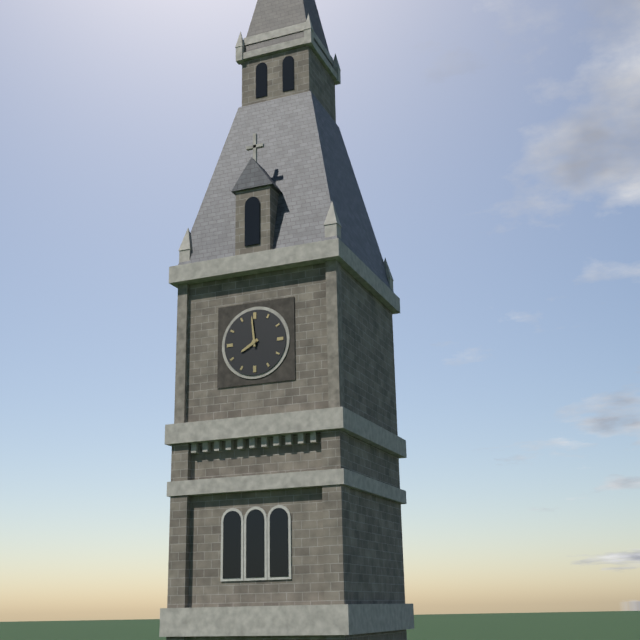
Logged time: **7:59**
